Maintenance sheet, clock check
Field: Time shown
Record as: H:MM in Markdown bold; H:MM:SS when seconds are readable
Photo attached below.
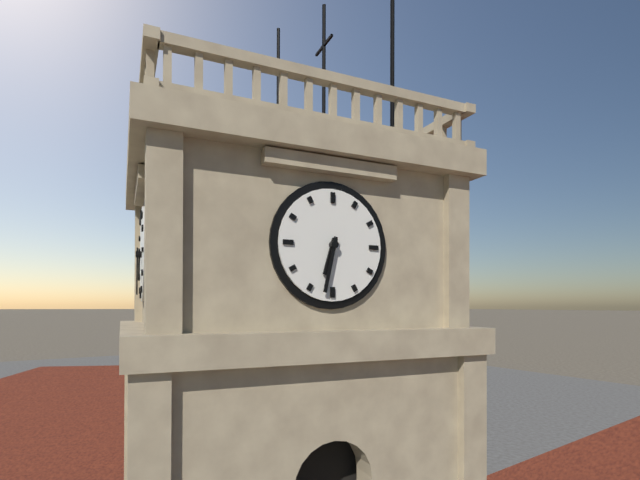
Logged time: **6:32**
